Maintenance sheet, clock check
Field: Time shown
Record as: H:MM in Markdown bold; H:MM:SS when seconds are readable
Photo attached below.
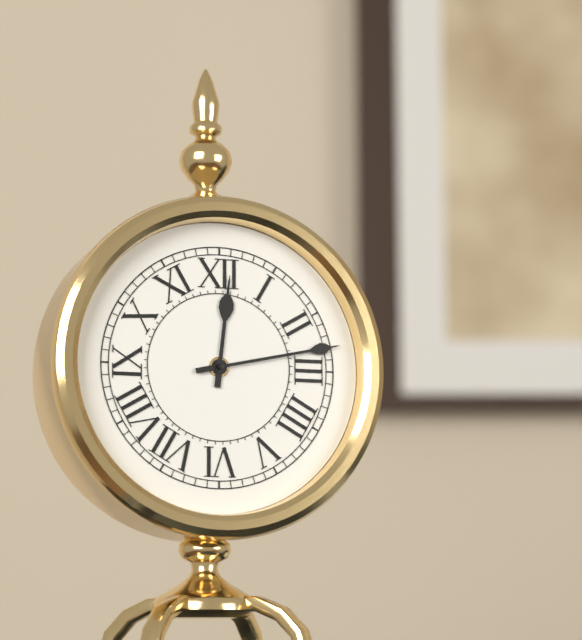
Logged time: **12:13**
